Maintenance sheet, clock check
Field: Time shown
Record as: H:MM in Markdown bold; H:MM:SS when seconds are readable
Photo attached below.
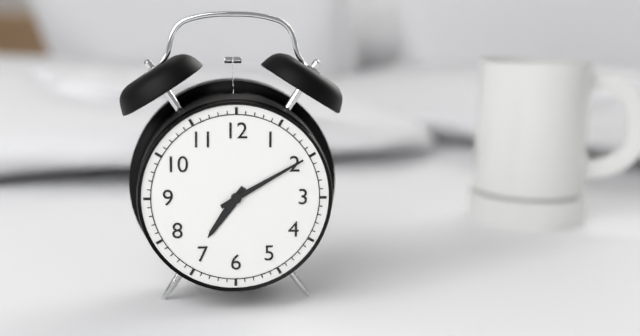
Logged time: **7:10**
